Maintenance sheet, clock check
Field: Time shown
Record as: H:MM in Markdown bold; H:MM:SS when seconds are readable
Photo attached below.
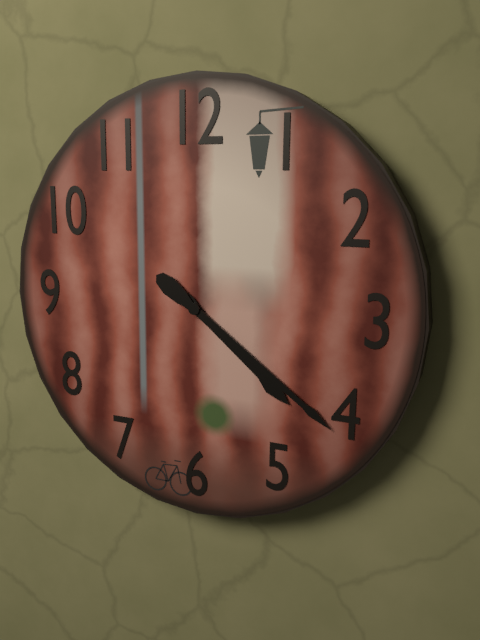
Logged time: **4:21**
